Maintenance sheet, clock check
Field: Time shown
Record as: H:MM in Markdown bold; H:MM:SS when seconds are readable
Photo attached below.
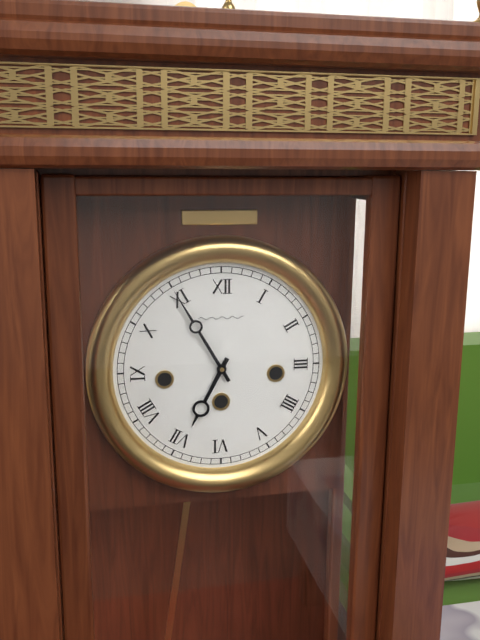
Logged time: **6:55**
